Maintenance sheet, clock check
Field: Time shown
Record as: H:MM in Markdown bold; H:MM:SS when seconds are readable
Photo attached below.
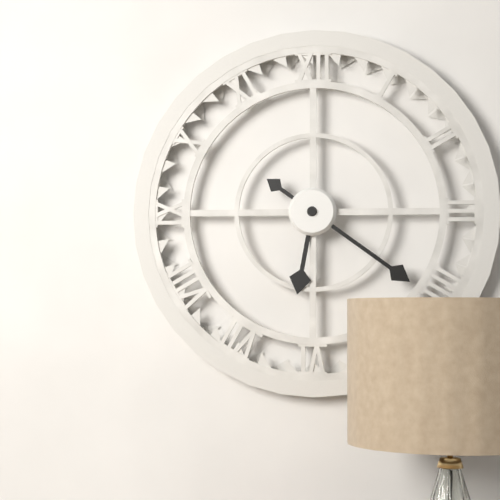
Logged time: **6:21**
